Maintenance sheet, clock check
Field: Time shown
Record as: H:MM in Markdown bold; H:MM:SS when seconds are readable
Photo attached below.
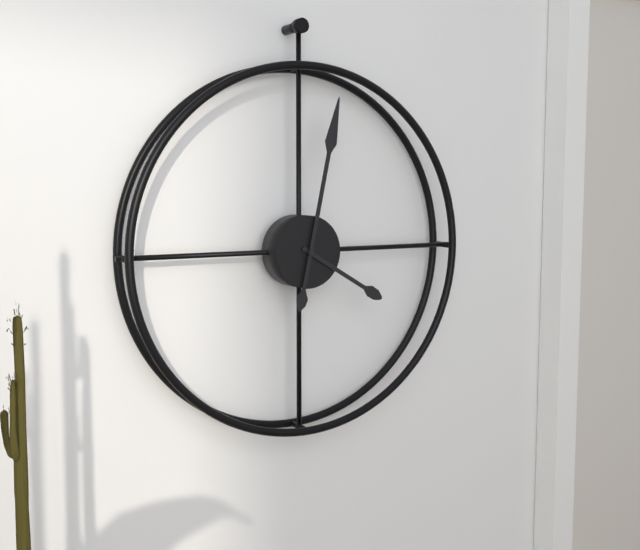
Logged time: **4:02**
